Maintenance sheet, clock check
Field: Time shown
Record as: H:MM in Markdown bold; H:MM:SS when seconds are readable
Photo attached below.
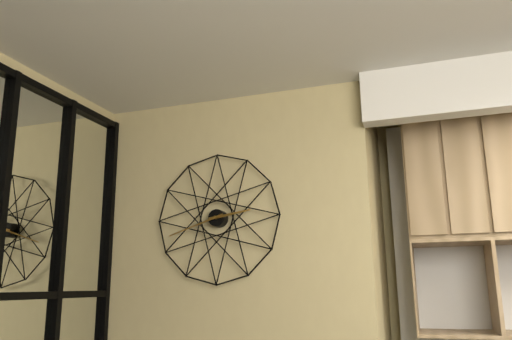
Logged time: **2:42**
